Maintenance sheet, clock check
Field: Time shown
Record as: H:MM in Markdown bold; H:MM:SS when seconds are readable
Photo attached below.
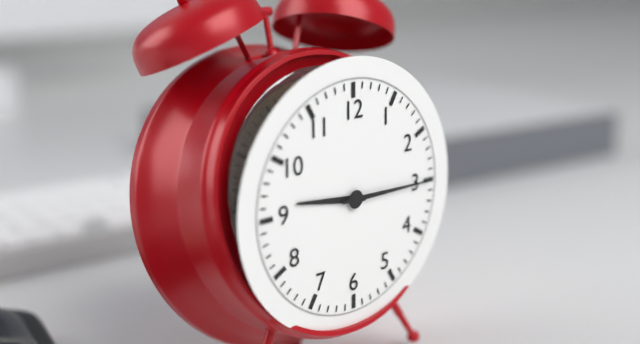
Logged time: **9:15**
